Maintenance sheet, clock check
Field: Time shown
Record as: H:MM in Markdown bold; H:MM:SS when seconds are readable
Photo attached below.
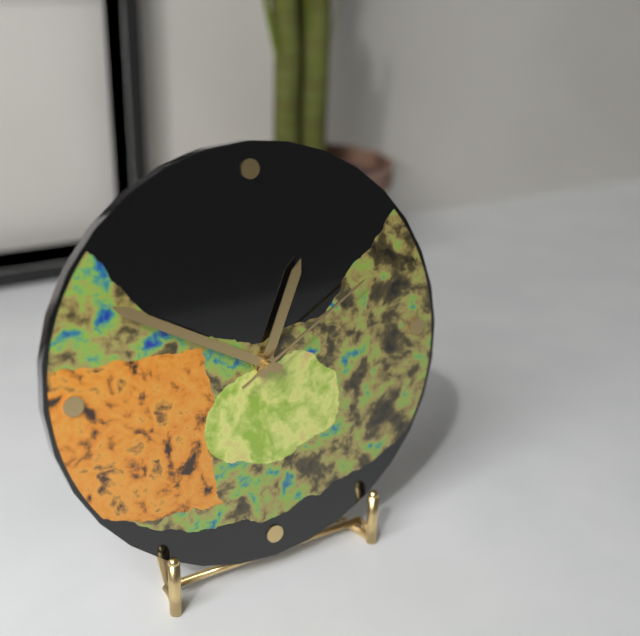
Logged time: **12:50:10**
